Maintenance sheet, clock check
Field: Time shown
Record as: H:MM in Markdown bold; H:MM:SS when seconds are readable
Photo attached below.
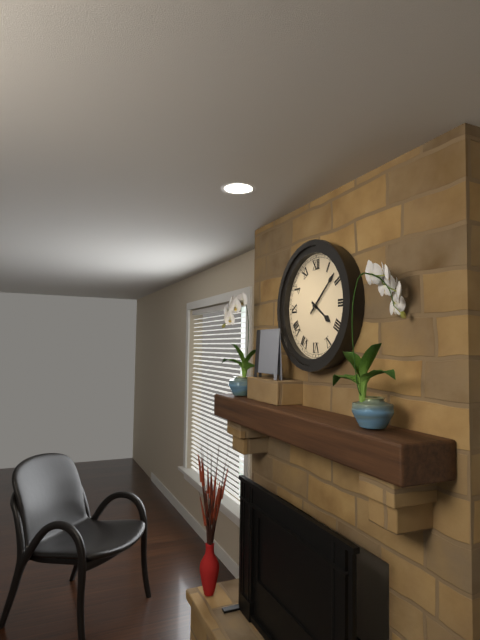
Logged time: **4:08**
